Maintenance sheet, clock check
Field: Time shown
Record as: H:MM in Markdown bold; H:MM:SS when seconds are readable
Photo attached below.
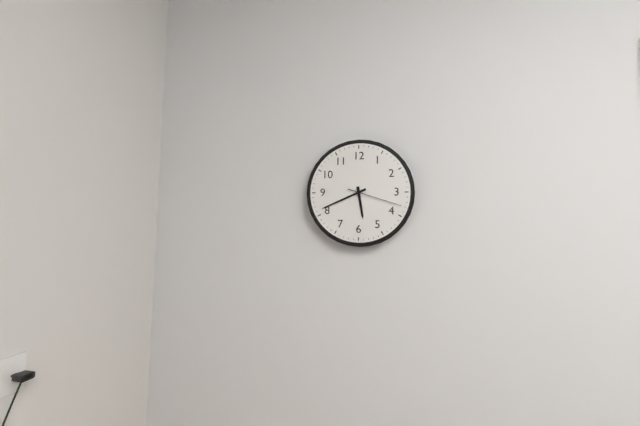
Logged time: **5:41:18**
